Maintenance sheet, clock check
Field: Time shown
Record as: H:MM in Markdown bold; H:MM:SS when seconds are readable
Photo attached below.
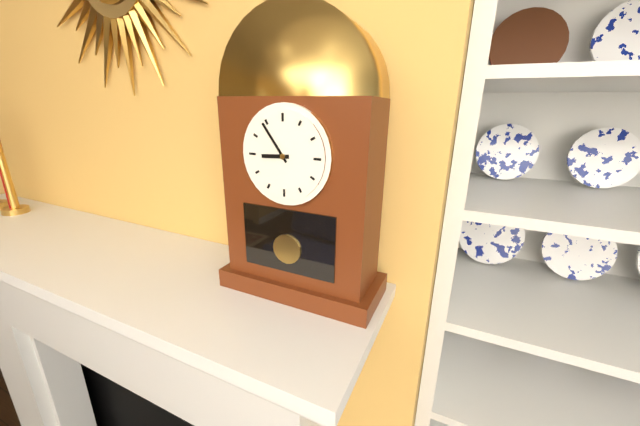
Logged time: **8:54**
